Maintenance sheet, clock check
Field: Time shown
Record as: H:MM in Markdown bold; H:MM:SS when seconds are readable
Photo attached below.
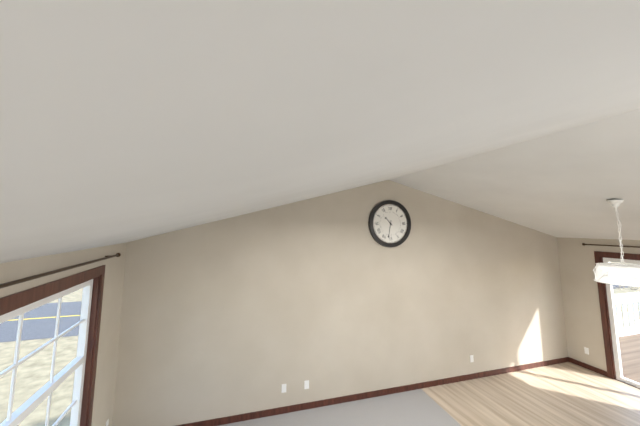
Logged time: **10:32**
